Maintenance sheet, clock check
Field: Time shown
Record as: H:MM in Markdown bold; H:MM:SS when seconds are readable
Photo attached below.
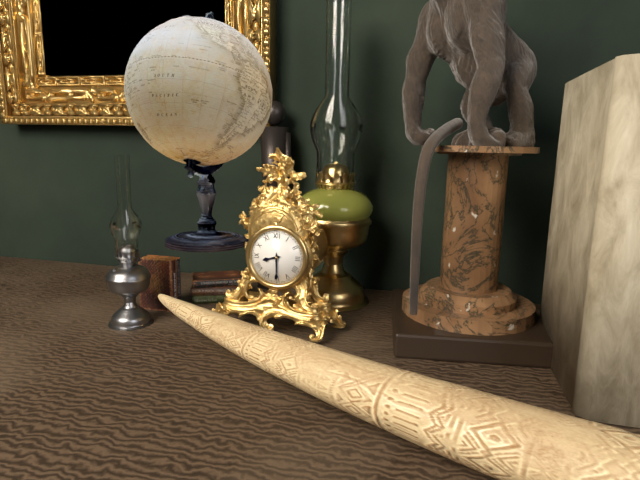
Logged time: **8:30**
